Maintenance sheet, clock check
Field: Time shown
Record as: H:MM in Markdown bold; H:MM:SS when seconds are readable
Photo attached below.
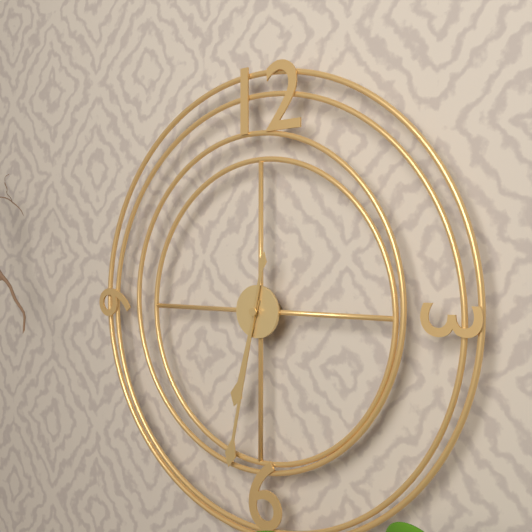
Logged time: **6:32**
